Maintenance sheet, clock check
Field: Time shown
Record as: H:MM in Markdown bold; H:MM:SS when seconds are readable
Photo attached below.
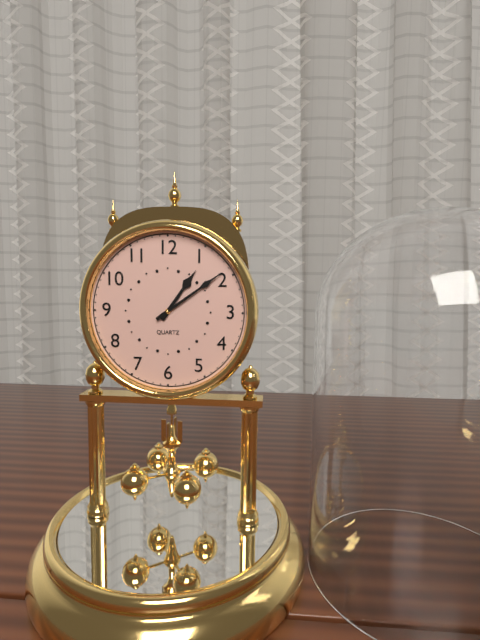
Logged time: **1:09**
